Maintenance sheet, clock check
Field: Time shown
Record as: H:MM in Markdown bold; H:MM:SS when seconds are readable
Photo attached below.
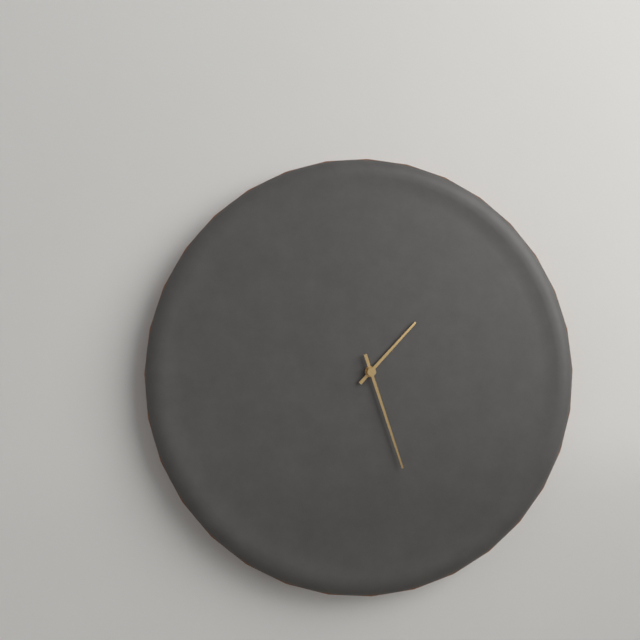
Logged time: **1:27**
